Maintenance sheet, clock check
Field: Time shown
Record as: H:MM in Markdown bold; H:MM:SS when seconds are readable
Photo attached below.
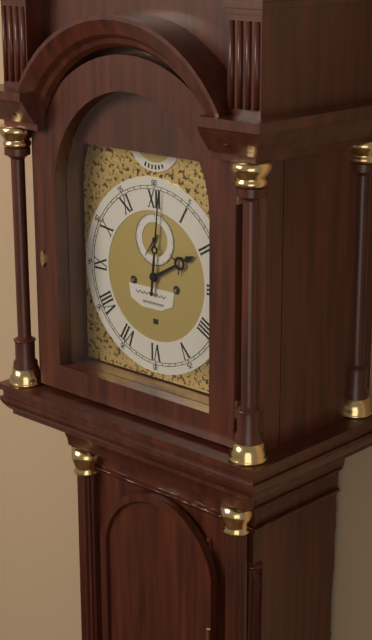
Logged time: **2:01**
